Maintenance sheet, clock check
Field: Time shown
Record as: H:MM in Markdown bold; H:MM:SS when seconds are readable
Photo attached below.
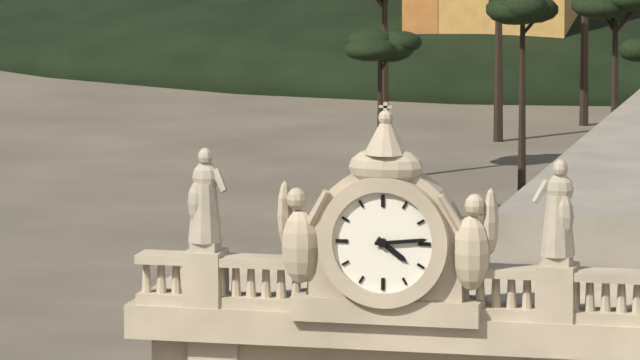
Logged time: **4:14**
